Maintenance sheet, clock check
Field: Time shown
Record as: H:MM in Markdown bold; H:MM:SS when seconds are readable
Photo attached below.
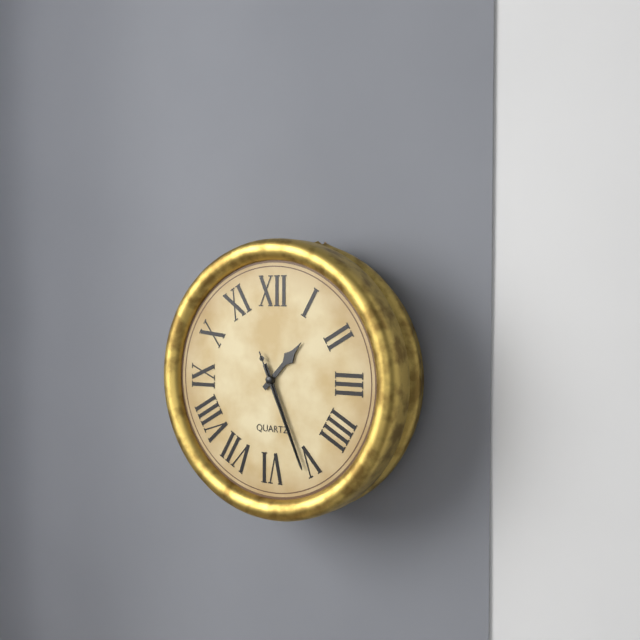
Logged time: **1:26:26**
